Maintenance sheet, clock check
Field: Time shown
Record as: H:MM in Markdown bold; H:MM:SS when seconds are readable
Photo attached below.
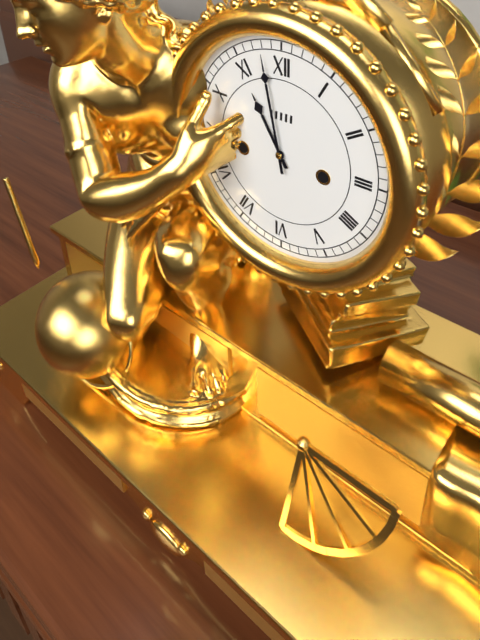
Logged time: **10:58**
